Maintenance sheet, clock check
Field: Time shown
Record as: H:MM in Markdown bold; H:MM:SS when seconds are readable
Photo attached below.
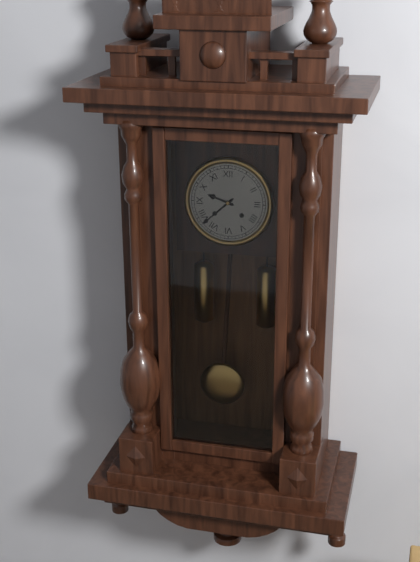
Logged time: **9:38**
